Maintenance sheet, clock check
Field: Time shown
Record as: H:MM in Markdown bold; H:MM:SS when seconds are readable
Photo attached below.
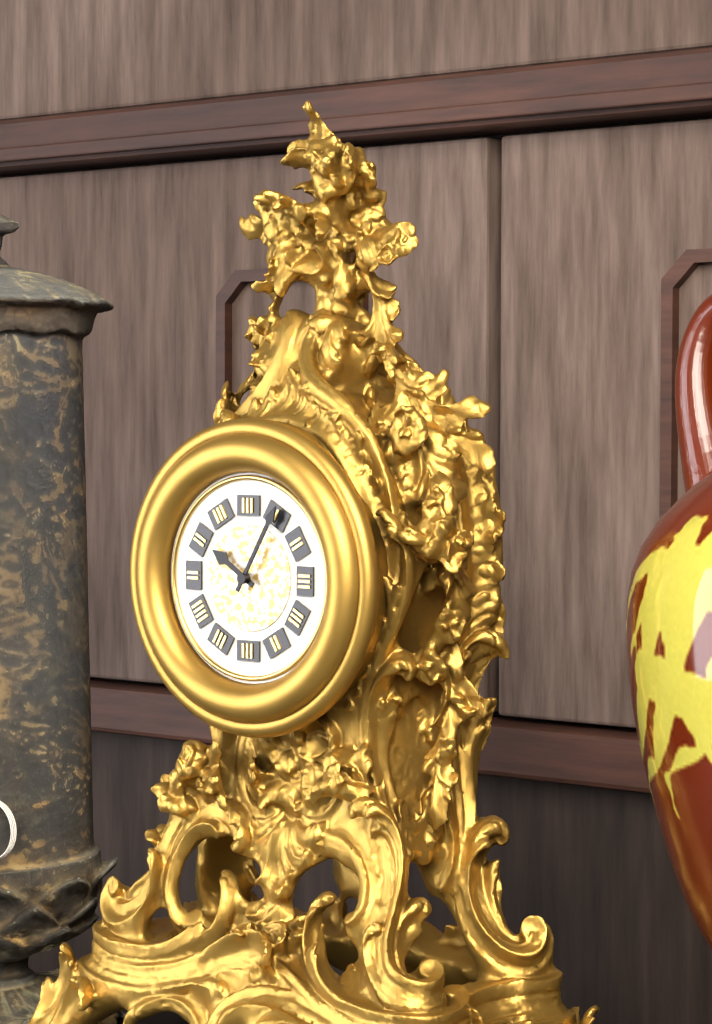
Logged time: **10:05**
